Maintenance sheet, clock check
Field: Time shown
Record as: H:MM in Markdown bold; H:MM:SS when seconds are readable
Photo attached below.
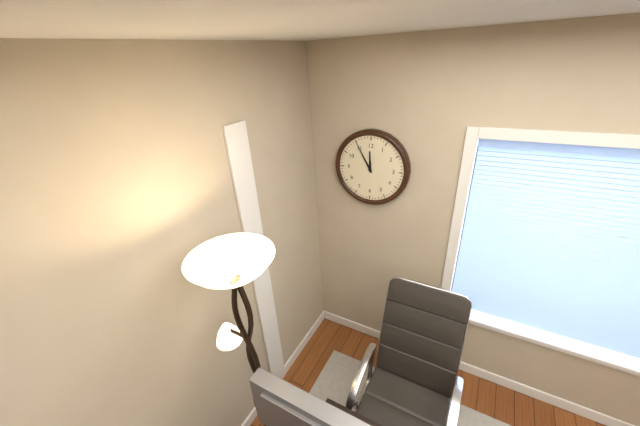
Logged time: **11:55**
